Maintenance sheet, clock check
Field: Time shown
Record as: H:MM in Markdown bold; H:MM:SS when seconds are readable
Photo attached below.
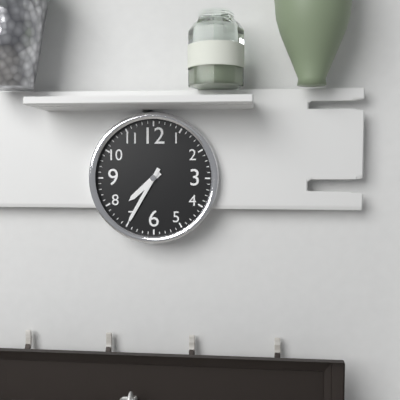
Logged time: **7:35**
